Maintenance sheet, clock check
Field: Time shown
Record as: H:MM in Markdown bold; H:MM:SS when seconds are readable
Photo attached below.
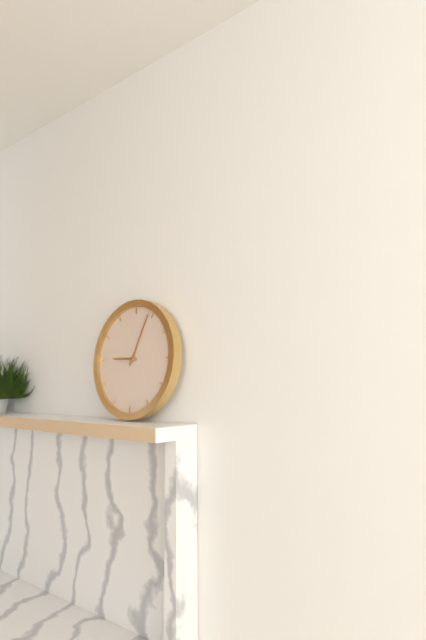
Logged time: **9:04**
